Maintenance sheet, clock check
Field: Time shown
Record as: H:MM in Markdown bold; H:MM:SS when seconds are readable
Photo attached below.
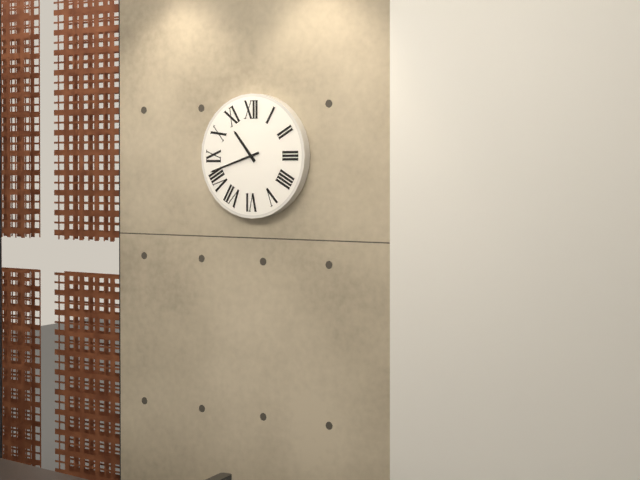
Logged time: **10:42**
